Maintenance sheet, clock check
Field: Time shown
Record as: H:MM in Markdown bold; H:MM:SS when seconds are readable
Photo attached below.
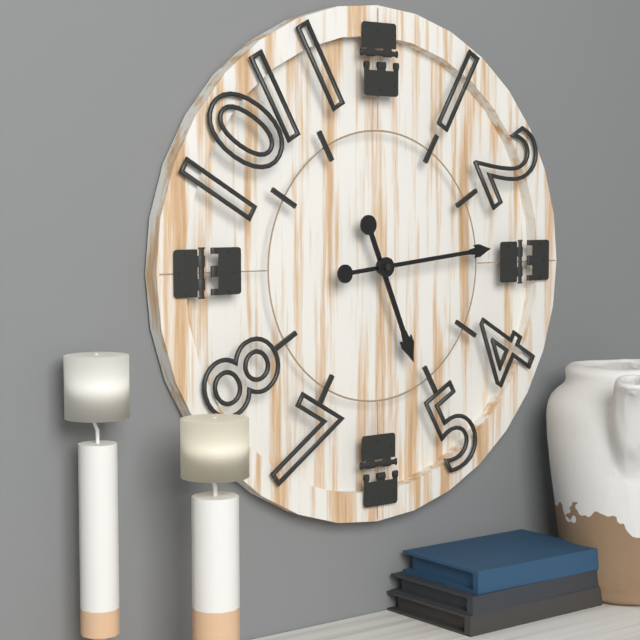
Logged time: **5:14**
